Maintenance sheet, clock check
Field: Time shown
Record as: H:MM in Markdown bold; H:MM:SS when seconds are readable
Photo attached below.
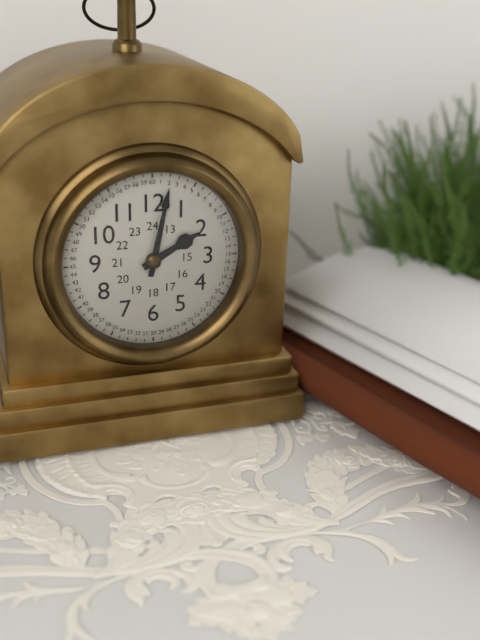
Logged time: **2:02**
